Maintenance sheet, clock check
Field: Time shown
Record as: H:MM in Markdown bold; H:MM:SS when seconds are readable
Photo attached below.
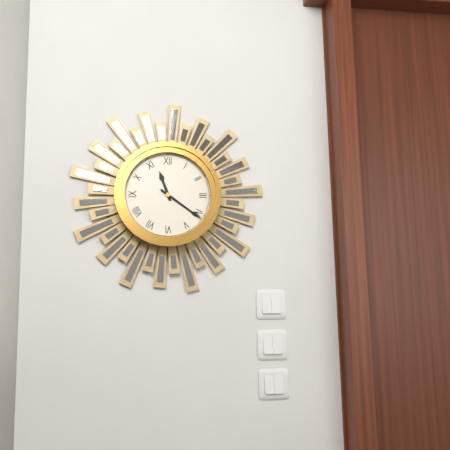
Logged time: **11:21**
